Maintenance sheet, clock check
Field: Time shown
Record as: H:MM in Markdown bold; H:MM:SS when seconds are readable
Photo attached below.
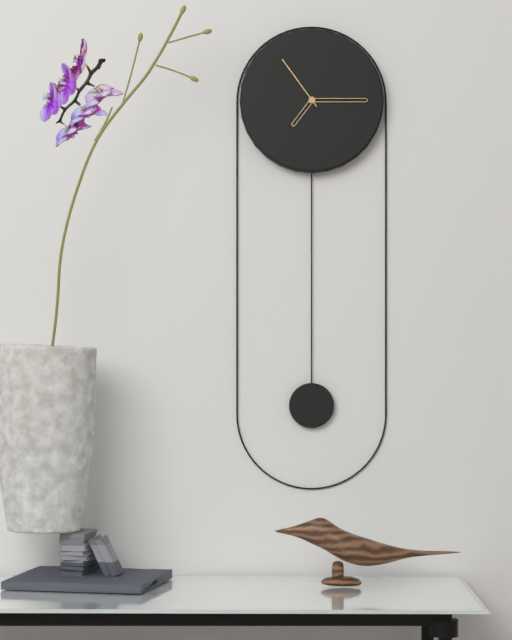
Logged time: **7:15:54**
